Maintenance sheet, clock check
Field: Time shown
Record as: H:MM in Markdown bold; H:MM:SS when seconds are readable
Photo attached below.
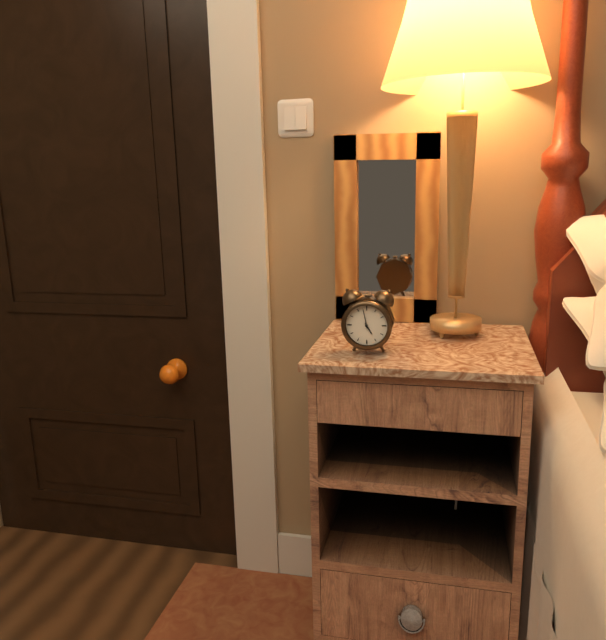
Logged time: **4:58**
